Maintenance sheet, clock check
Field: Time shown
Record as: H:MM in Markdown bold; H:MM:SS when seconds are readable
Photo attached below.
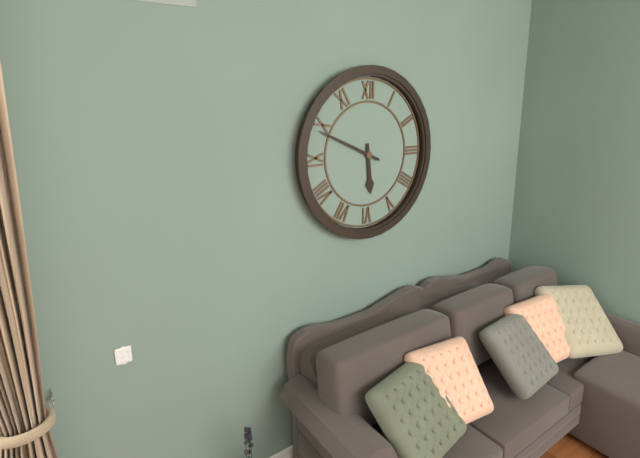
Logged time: **5:49**
